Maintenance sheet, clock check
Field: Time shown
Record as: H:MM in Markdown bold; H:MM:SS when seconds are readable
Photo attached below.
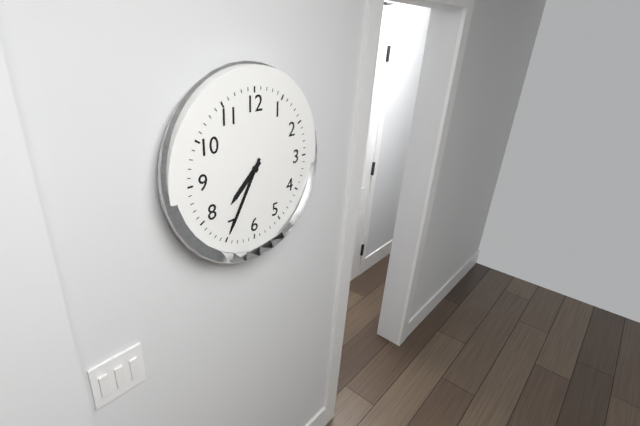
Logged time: **7:35**
